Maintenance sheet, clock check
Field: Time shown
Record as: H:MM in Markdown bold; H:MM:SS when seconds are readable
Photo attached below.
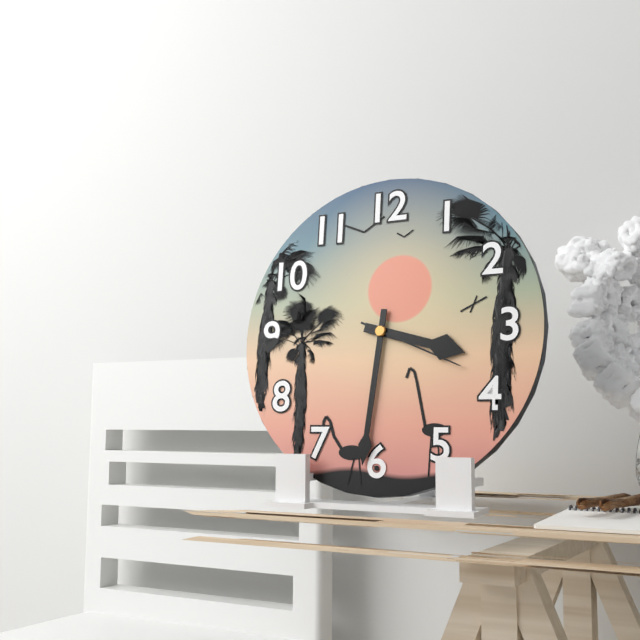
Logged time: **3:31:19**
